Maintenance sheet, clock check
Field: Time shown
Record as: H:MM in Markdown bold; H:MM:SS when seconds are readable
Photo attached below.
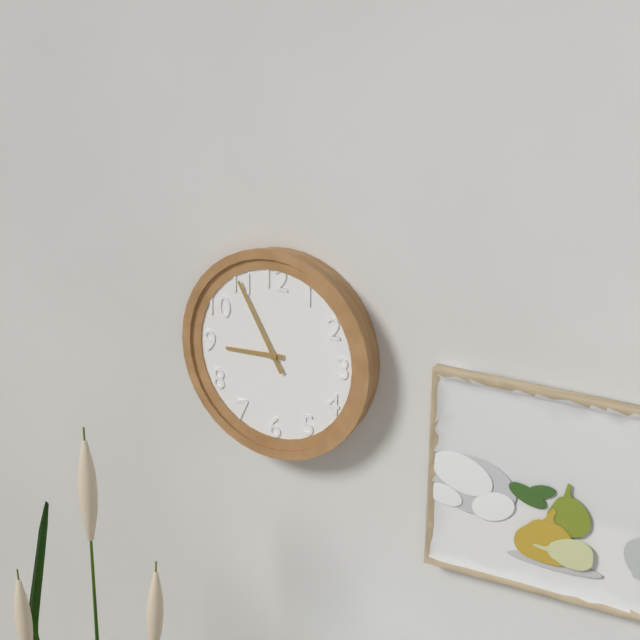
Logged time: **8:55**
